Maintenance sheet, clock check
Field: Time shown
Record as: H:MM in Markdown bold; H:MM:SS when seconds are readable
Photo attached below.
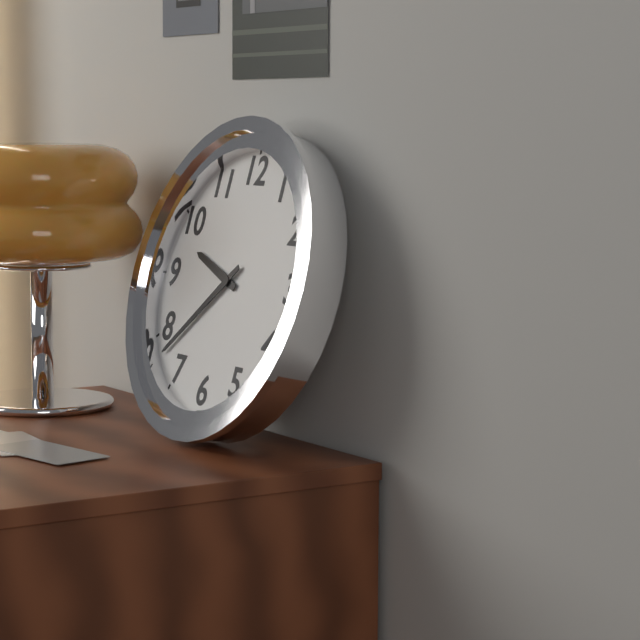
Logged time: **9:38**
